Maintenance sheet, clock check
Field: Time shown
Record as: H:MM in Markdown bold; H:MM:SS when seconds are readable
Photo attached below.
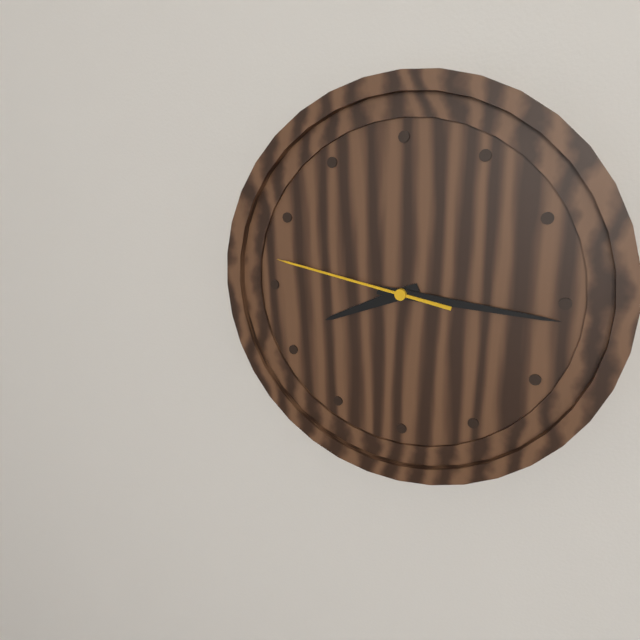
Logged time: **8:16:47**
